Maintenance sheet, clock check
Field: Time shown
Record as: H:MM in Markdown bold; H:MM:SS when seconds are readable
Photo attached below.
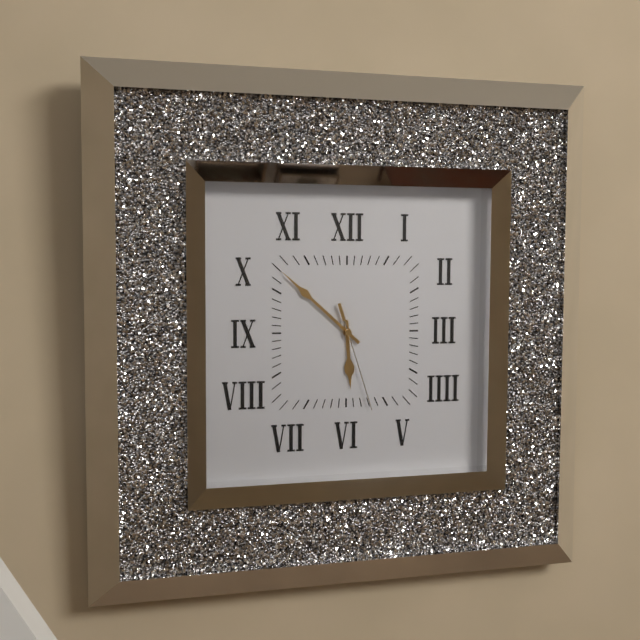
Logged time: **5:52:27**
